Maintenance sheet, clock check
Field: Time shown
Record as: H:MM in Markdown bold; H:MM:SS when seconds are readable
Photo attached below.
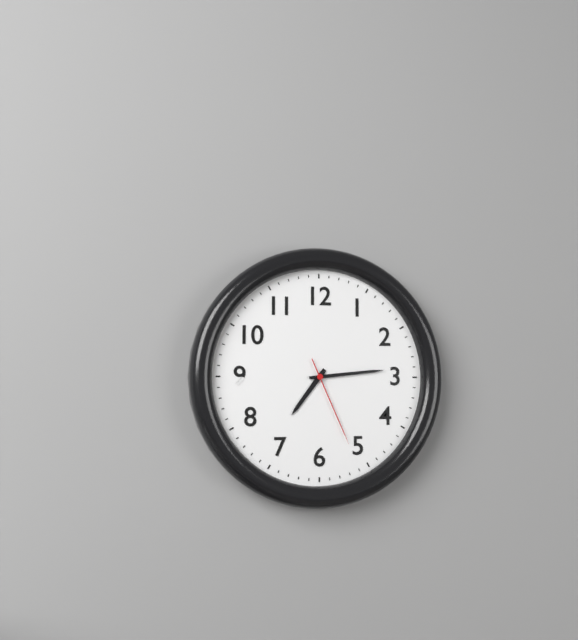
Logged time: **7:14:26**
